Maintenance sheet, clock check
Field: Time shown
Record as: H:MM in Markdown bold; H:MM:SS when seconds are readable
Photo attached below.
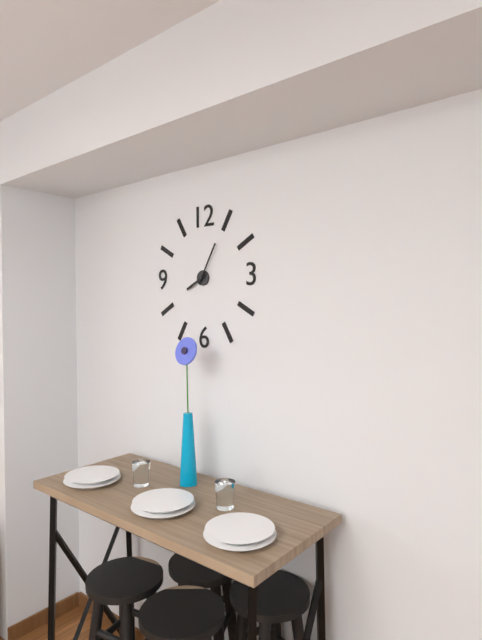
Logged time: **8:05**
